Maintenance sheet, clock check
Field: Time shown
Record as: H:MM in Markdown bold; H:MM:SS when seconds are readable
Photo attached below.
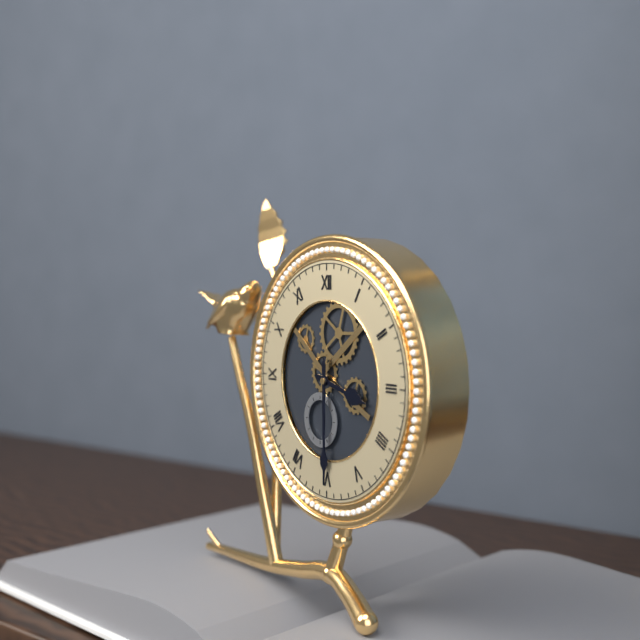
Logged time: **3:30**
